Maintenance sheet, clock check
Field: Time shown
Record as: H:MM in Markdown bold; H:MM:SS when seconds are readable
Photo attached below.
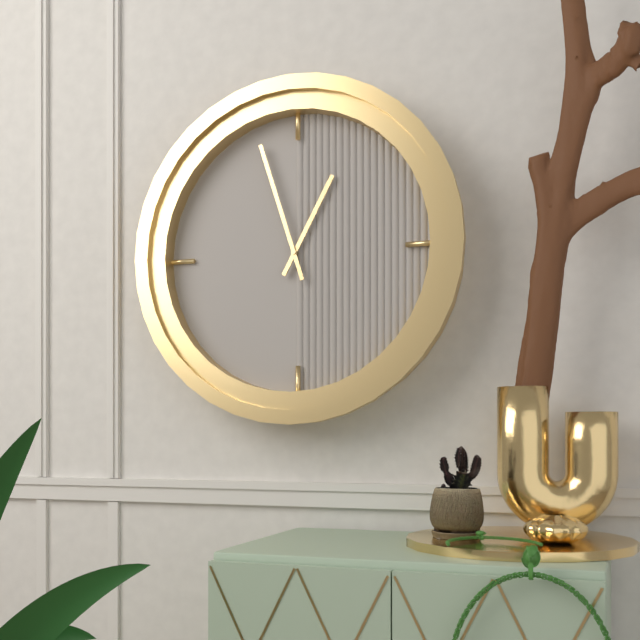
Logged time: **12:57**
